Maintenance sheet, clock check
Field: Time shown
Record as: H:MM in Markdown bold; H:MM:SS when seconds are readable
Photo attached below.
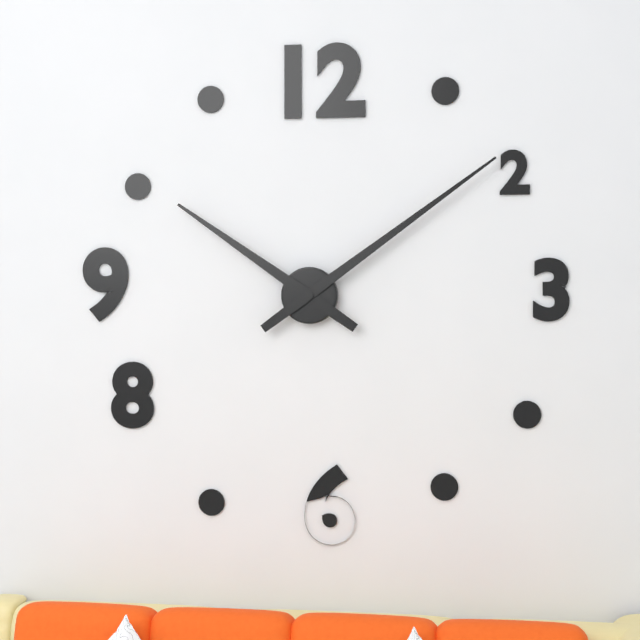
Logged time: **10:09**
